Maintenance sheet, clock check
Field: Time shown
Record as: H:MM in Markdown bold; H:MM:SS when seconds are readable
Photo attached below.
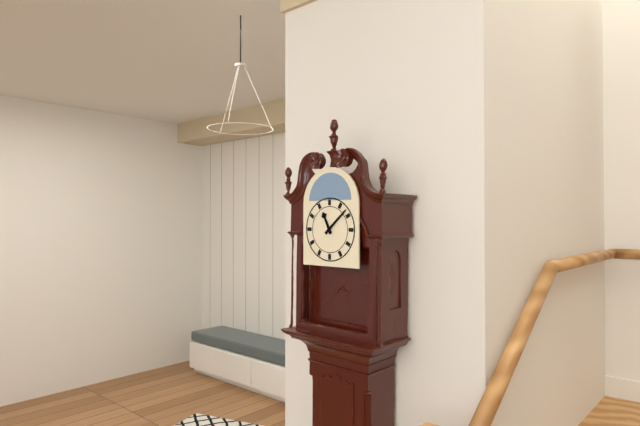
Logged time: **11:08**
